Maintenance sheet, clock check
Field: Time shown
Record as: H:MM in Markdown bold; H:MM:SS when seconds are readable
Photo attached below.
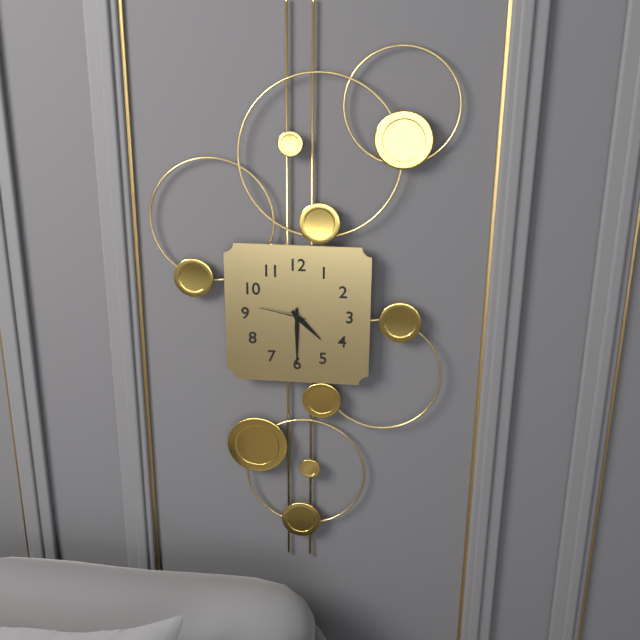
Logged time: **4:30**
